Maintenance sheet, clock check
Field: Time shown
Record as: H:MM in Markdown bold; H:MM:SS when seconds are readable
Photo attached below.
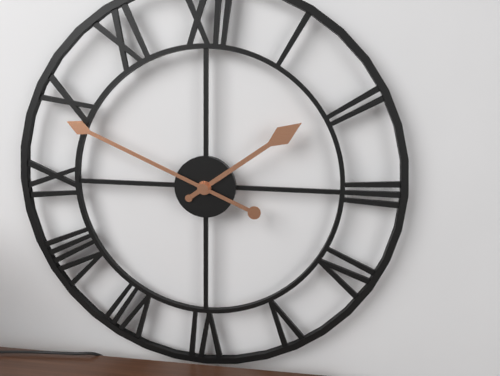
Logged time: **1:49**
